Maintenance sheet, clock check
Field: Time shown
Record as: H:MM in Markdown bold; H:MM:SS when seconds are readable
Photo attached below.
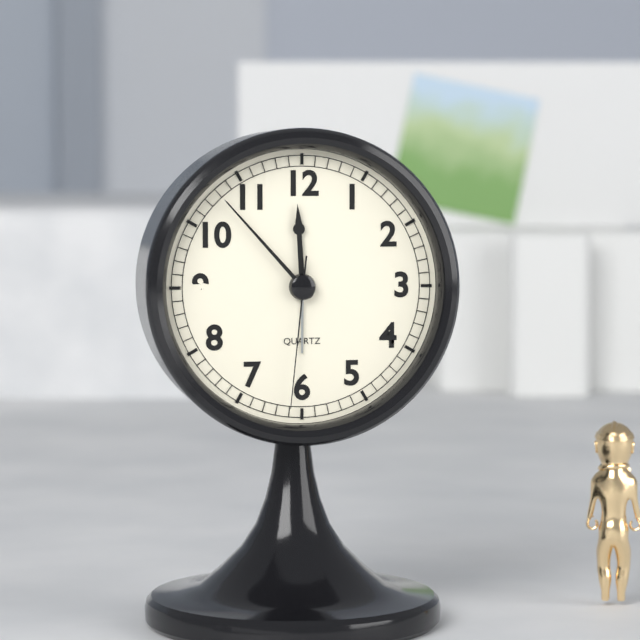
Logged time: **11:53:31**
